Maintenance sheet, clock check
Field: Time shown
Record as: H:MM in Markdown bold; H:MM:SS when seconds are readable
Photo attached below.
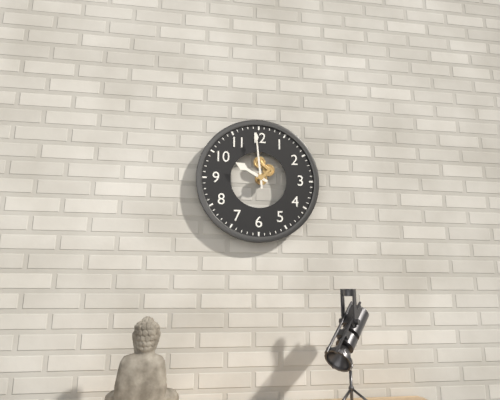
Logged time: **9:59**
